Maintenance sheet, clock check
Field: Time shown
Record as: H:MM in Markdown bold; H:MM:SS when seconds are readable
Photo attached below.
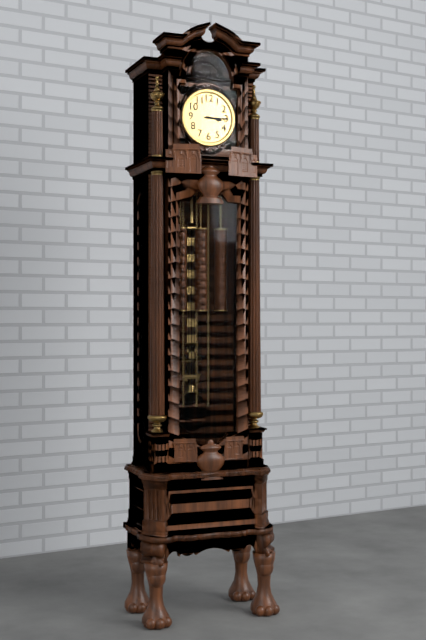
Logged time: **3:15**
